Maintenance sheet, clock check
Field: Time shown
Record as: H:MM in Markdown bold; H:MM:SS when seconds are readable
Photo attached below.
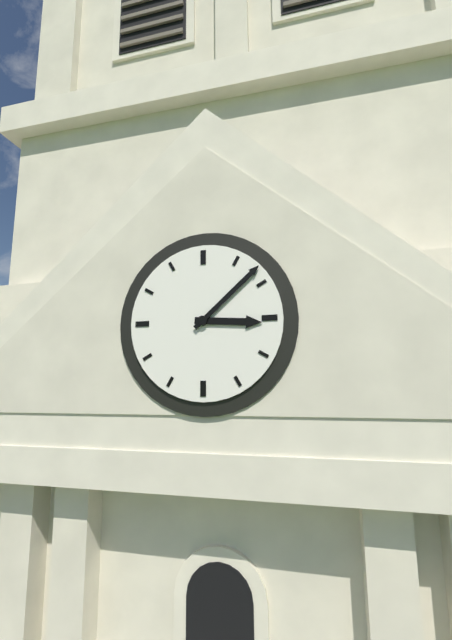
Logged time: **3:08**
